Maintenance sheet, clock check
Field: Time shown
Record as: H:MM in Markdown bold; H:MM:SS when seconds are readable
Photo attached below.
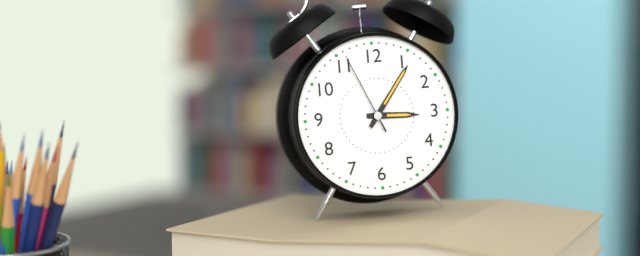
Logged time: **3:06:56**
